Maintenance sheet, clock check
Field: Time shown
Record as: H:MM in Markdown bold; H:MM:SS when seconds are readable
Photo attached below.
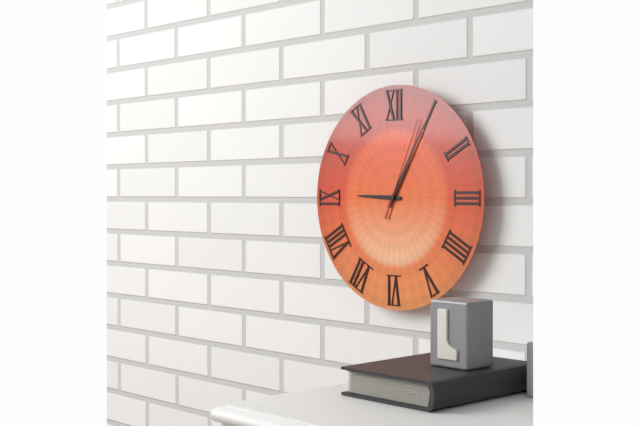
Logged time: **9:05:04**
